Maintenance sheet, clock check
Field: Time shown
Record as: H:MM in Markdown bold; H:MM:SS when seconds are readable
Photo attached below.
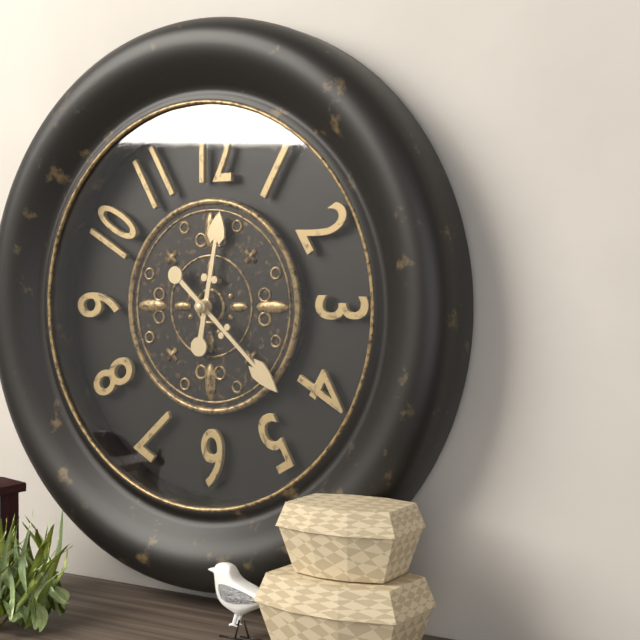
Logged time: **12:22**
